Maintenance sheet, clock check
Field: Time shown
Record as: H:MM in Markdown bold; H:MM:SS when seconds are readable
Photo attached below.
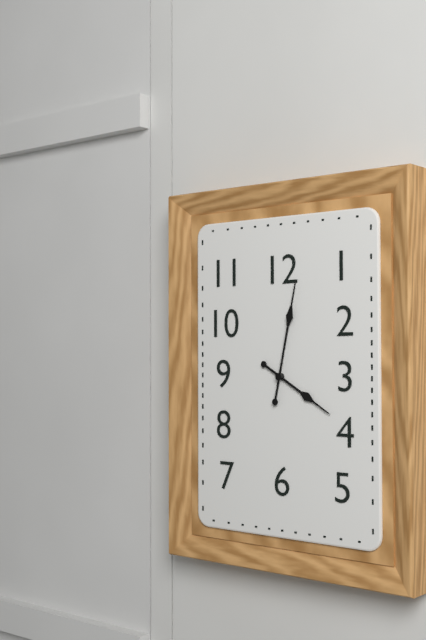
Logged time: **4:02**
